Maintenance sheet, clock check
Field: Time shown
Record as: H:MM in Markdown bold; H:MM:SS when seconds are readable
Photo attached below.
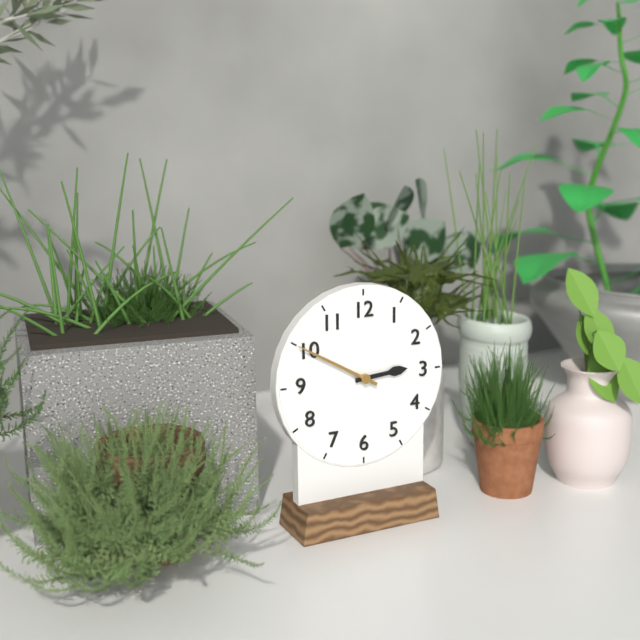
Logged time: **2:50**
